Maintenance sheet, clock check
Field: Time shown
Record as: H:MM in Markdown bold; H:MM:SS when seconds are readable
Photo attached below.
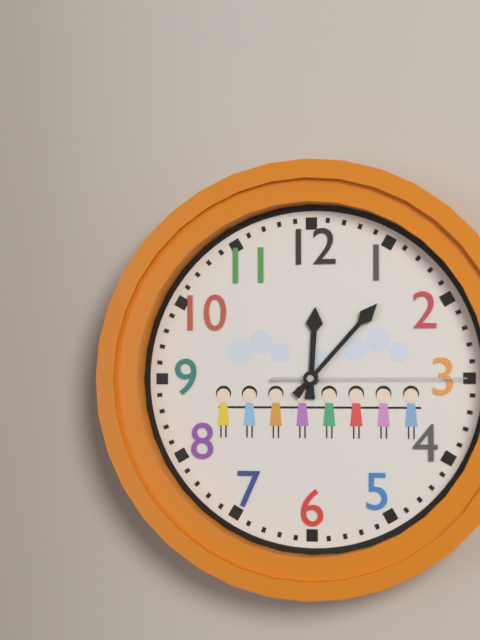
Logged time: **12:07:15**
